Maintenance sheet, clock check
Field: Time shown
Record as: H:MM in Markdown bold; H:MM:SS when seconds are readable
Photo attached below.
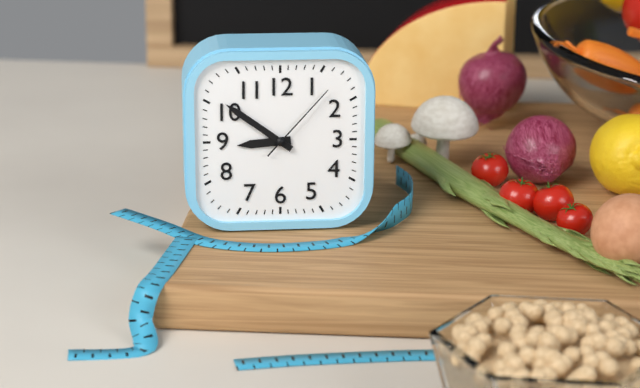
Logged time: **8:51:07**
